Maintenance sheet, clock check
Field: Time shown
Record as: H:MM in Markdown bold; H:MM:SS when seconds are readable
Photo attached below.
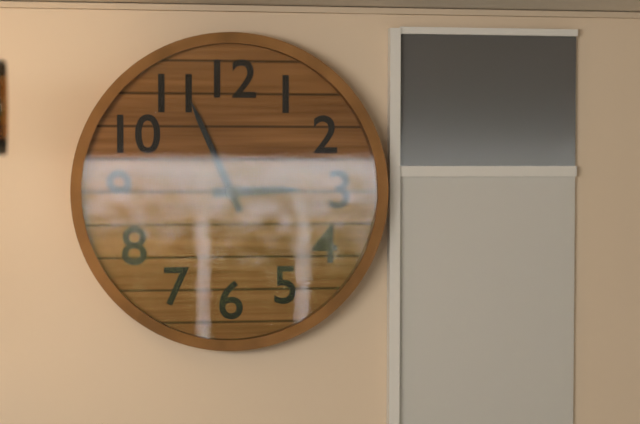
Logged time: **2:56**
